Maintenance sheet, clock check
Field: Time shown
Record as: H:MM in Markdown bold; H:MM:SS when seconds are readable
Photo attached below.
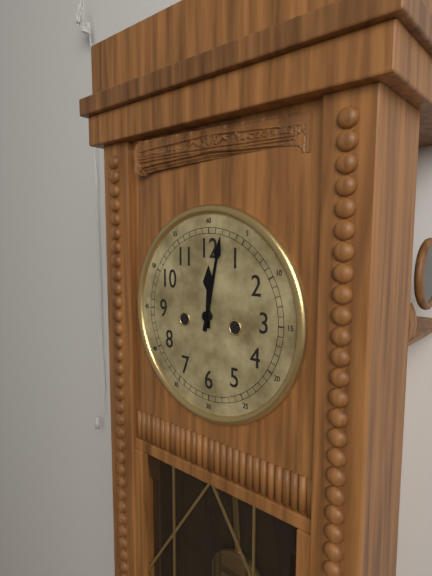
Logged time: **12:02**
